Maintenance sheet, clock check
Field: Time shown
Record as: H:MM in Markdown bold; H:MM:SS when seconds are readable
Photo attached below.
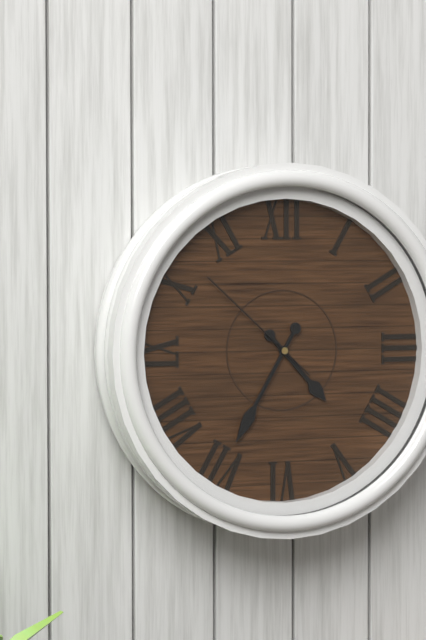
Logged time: **4:35:52**
